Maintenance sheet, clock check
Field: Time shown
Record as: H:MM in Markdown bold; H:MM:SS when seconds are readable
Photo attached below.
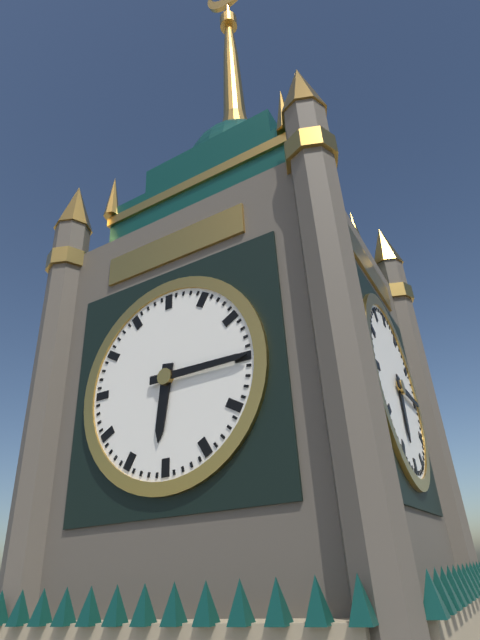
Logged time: **6:15**
